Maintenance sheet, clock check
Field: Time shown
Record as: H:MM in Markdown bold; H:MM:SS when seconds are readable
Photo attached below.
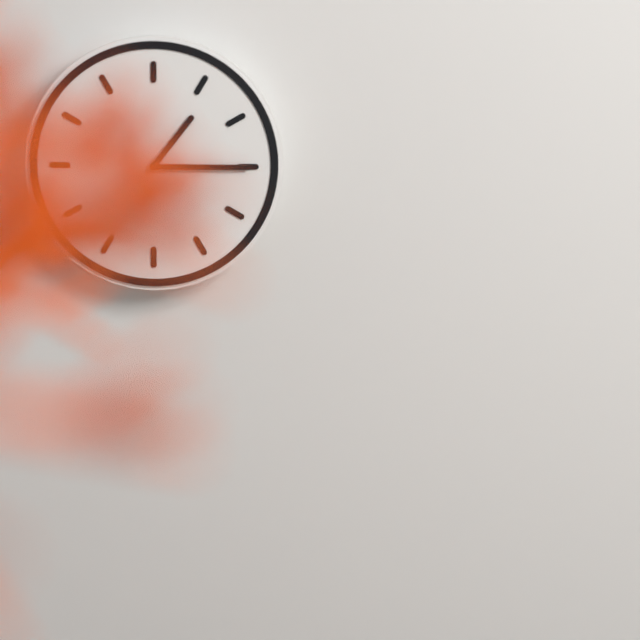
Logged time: **1:15**
